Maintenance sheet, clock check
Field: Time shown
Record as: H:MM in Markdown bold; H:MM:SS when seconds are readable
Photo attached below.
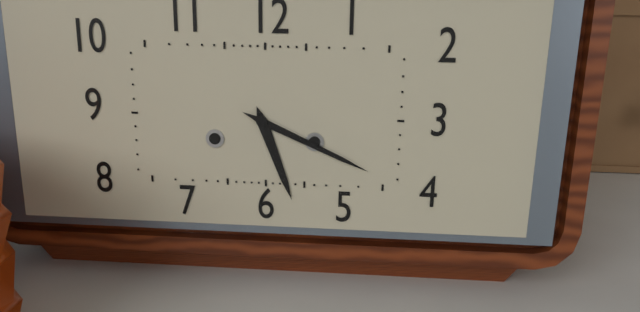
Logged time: **5:19**
